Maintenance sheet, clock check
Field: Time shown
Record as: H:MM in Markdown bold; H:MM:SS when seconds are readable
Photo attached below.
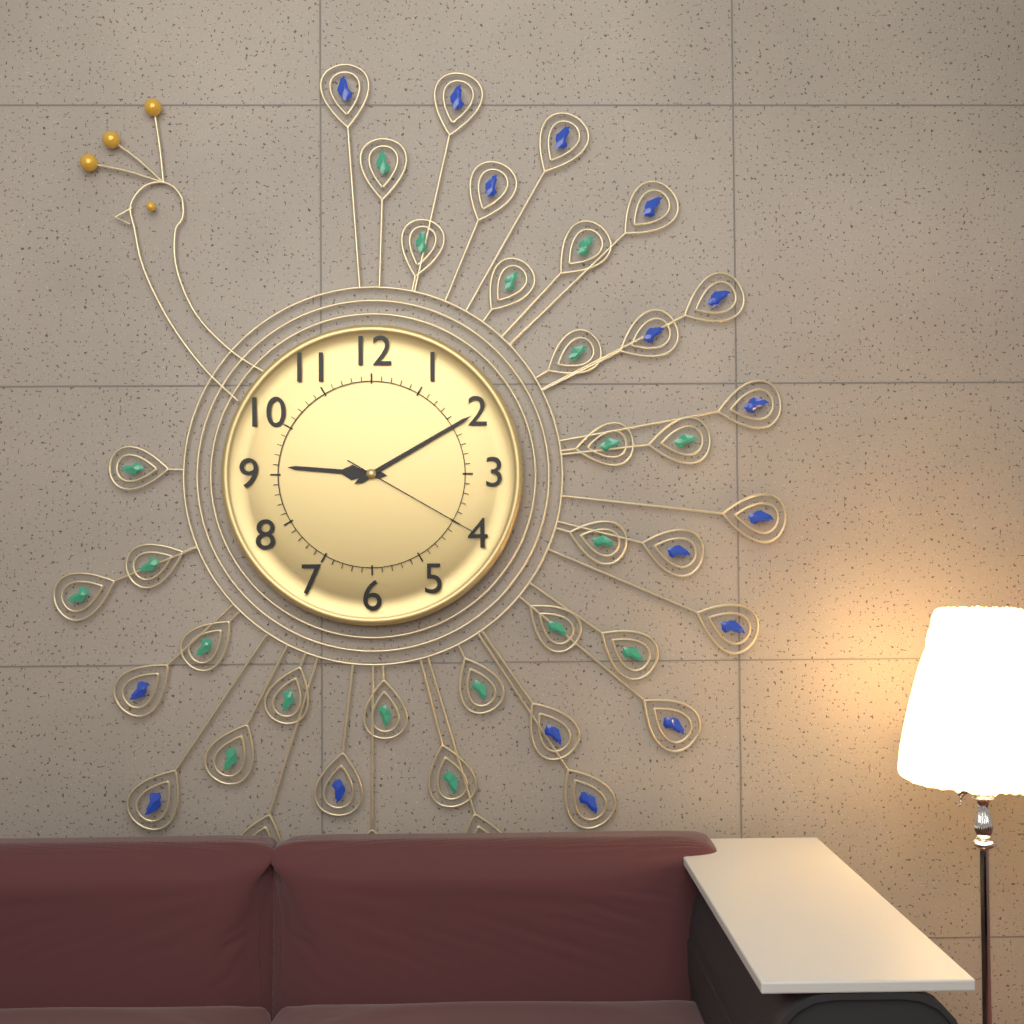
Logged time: **9:10:20**
